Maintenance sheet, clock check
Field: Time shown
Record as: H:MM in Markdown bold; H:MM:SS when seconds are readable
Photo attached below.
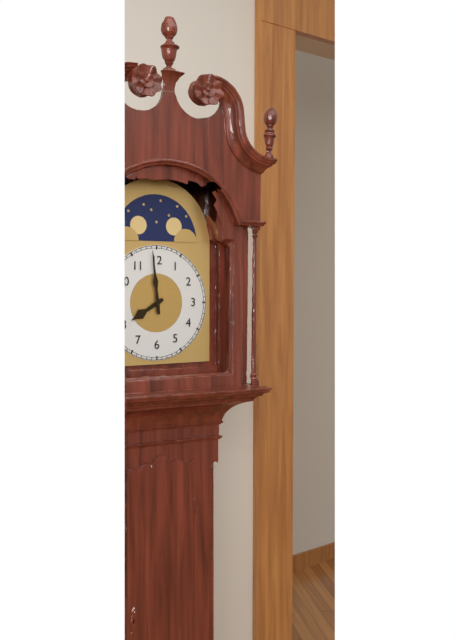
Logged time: **7:59**
